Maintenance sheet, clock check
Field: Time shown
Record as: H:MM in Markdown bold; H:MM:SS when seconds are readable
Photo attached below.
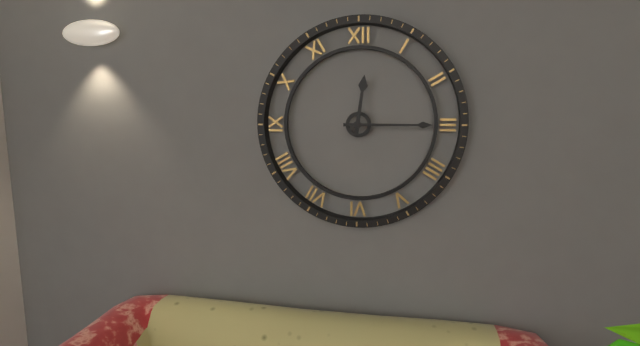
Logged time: **12:15**
